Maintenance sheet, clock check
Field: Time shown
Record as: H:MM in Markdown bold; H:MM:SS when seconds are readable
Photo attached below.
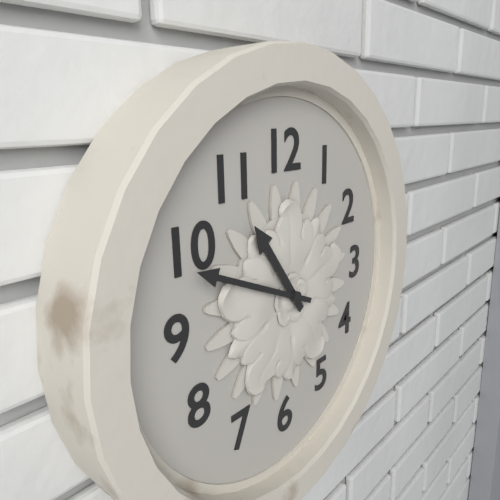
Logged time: **10:49**
